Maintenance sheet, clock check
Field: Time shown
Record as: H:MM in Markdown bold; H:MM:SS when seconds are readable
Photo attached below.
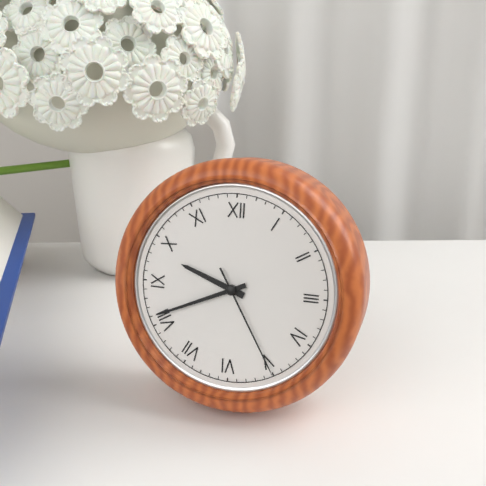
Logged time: **9:41:25**
